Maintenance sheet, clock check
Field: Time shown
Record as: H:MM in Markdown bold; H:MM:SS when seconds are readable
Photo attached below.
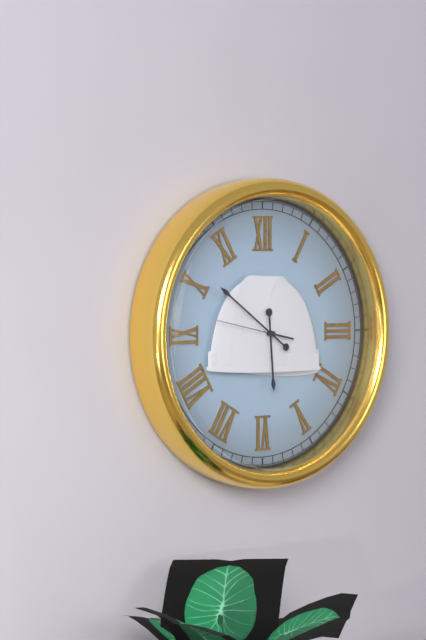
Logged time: **5:51:47**
